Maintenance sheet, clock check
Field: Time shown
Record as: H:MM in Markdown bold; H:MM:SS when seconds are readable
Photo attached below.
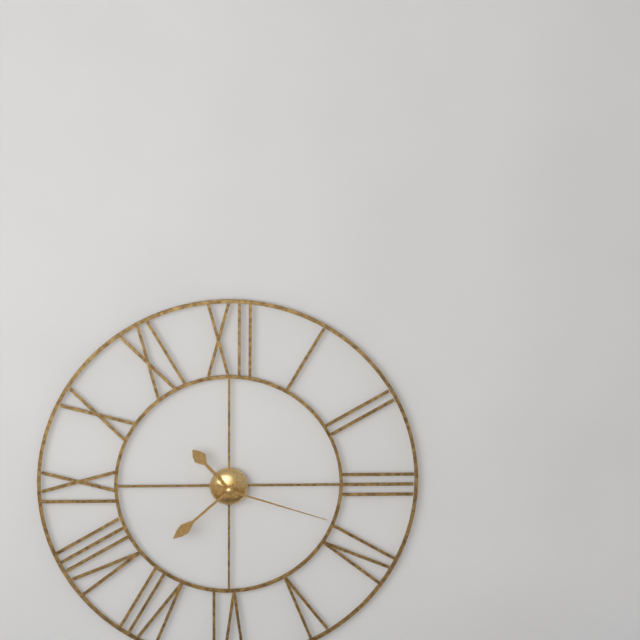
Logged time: **10:38:18**
